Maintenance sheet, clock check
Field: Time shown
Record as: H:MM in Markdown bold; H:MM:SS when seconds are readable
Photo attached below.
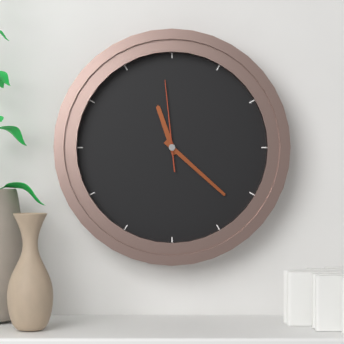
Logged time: **11:22:59**
